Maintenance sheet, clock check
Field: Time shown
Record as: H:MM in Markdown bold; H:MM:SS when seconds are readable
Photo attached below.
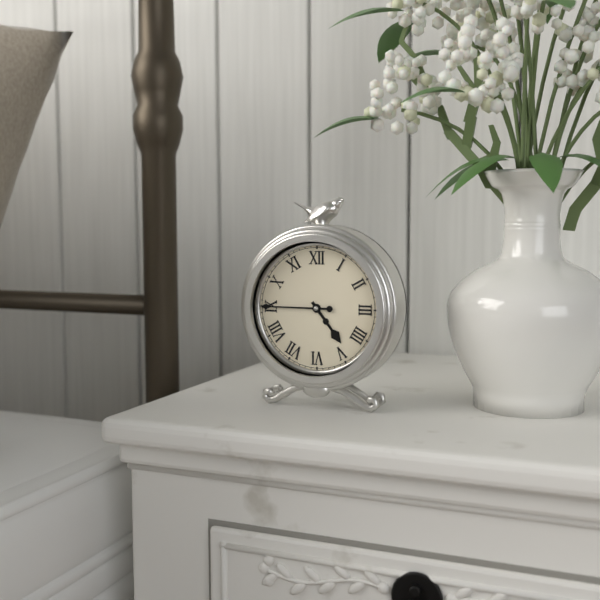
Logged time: **4:45**
